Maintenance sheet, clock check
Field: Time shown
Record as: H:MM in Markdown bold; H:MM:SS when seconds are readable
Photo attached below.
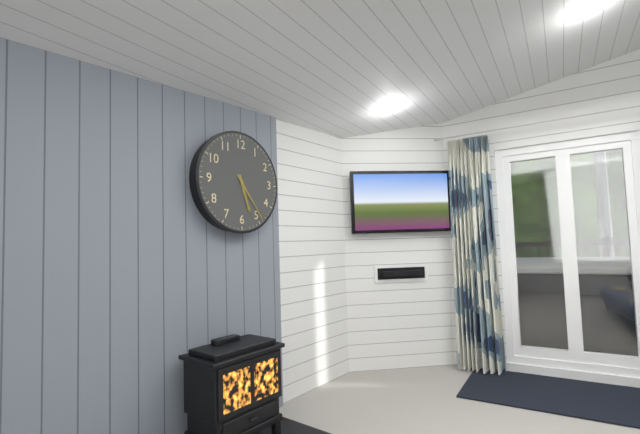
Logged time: **5:24**
